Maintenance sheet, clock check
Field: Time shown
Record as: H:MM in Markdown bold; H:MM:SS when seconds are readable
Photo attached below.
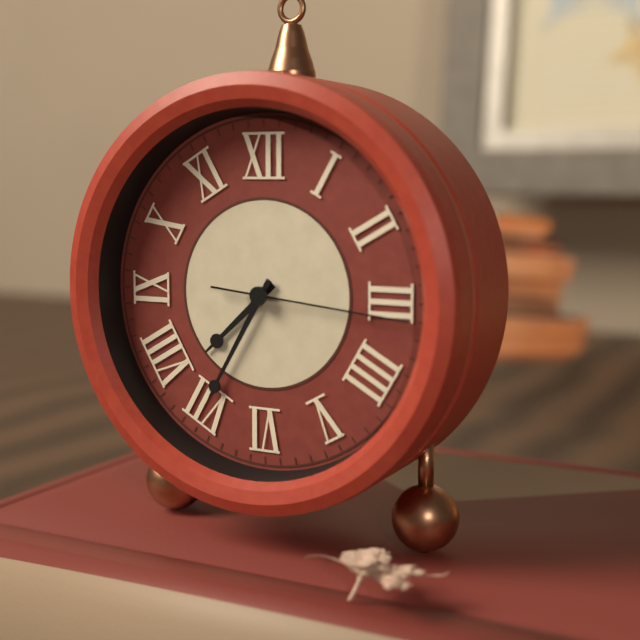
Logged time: **7:35:16**
